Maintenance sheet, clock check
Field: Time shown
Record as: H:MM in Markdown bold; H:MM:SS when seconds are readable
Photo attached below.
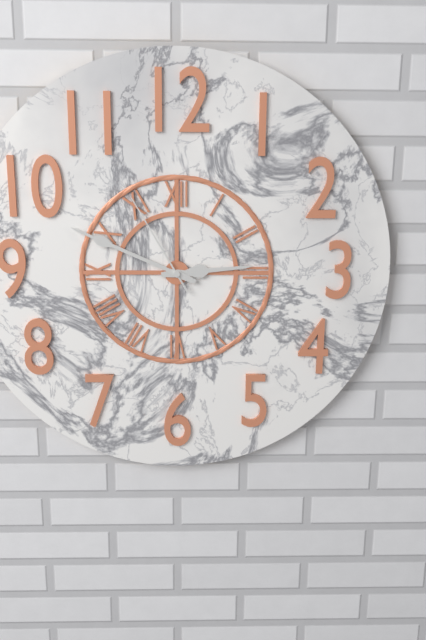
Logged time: **2:49:55**
